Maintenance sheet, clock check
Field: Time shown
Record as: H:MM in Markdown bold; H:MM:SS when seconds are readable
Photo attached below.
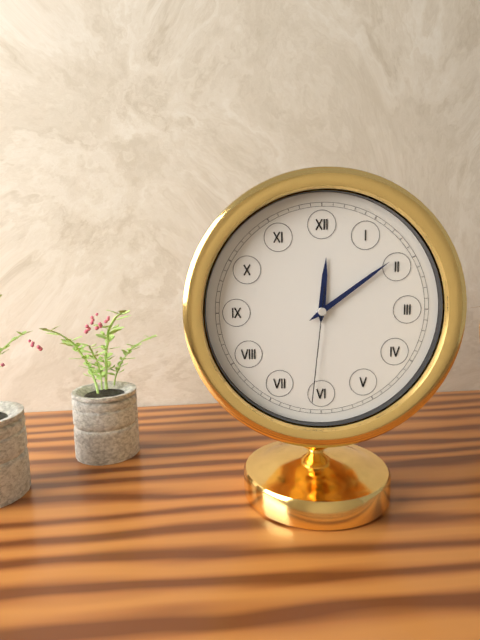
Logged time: **12:09:31**
